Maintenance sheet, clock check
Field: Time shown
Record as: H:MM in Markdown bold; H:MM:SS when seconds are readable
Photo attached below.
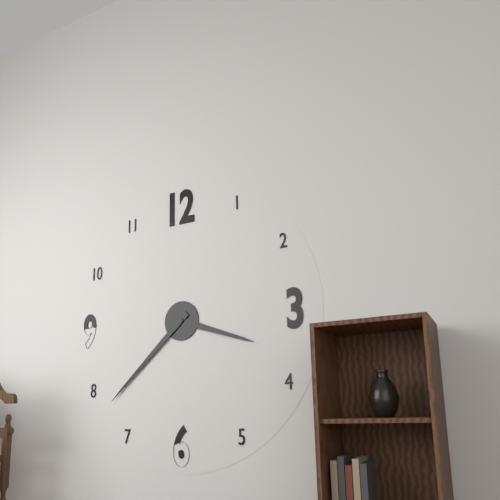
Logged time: **3:38**
